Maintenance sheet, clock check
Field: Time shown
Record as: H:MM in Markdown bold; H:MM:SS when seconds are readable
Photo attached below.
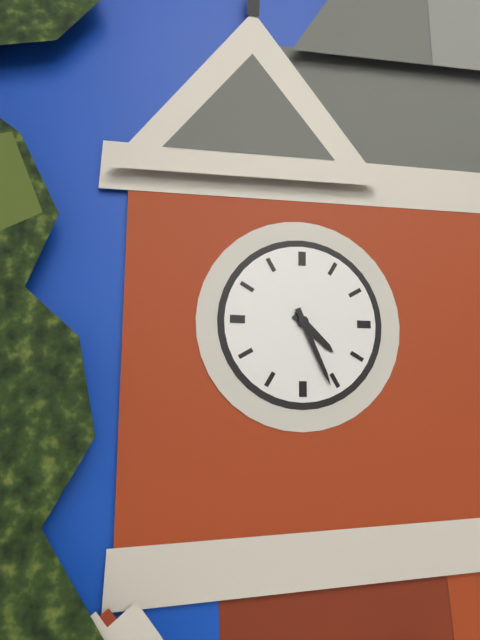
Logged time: **4:26**
